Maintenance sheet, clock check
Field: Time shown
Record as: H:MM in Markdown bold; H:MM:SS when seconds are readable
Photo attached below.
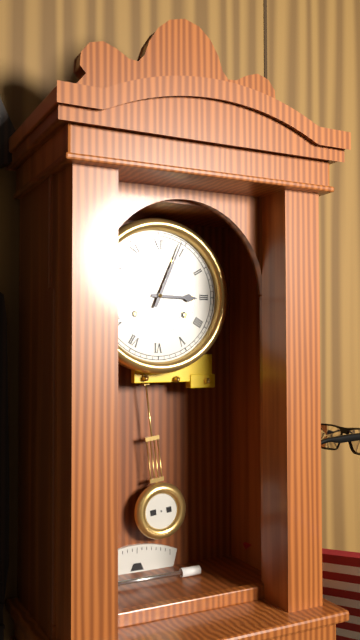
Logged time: **3:04**
